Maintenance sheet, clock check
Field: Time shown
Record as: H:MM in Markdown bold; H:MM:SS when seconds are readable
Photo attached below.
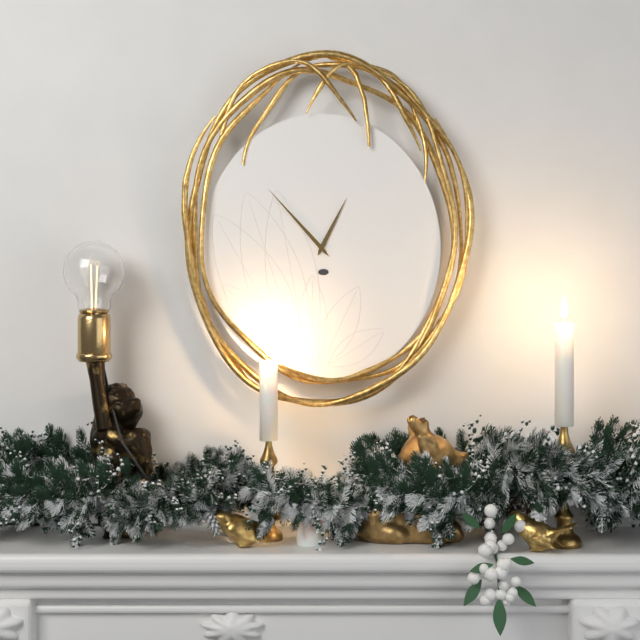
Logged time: **12:53**
